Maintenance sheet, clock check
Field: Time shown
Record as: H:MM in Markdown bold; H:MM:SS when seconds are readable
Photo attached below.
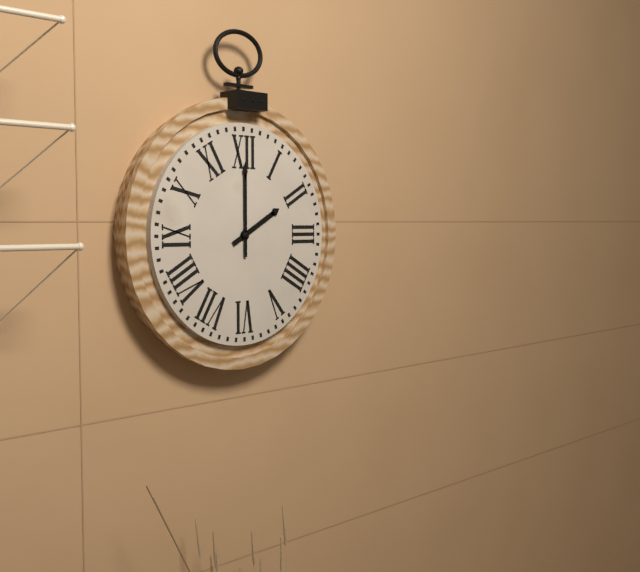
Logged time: **2:00**
